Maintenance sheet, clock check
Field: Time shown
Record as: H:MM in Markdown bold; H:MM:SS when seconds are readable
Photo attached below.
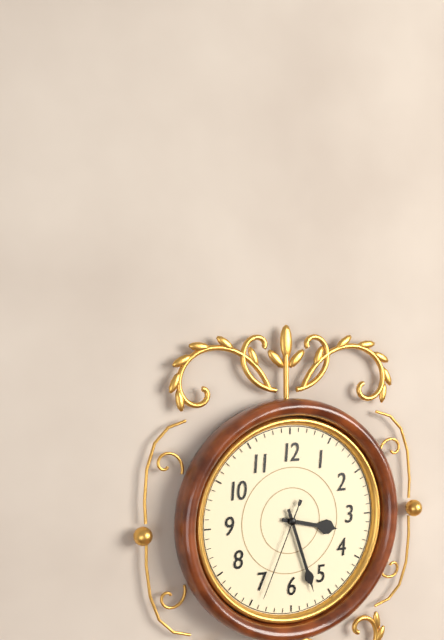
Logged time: **3:27:34**
